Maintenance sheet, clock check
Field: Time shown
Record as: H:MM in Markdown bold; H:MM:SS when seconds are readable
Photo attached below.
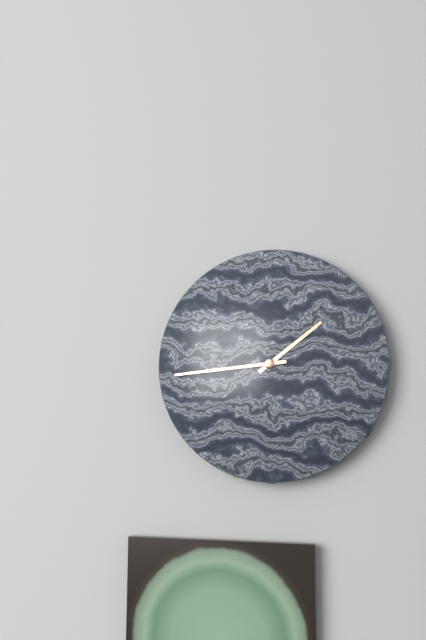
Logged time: **1:44**
